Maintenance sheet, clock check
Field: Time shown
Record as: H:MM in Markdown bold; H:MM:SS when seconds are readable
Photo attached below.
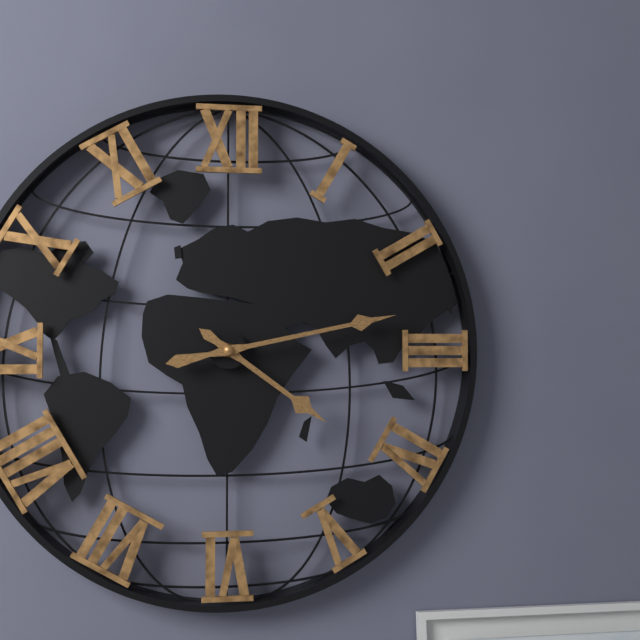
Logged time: **4:13**
